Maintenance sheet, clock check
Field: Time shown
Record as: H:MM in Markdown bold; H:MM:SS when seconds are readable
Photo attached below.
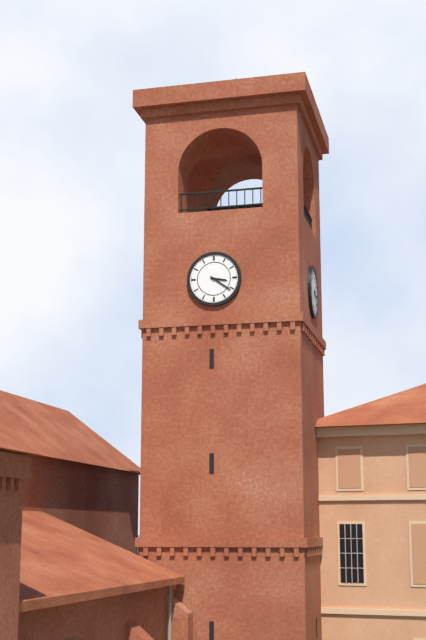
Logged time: **3:21**
